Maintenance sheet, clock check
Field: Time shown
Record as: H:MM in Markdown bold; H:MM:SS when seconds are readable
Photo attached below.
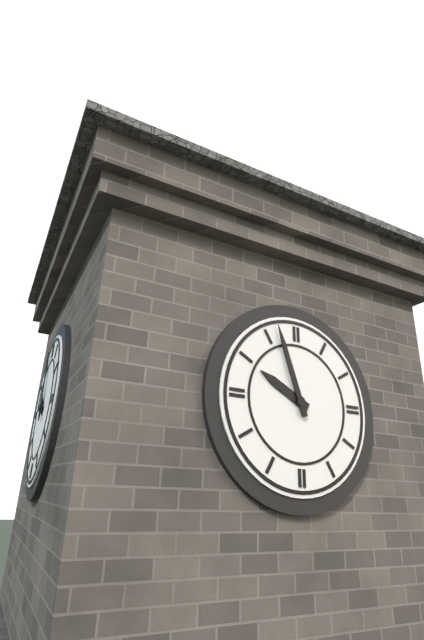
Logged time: **9:57**
